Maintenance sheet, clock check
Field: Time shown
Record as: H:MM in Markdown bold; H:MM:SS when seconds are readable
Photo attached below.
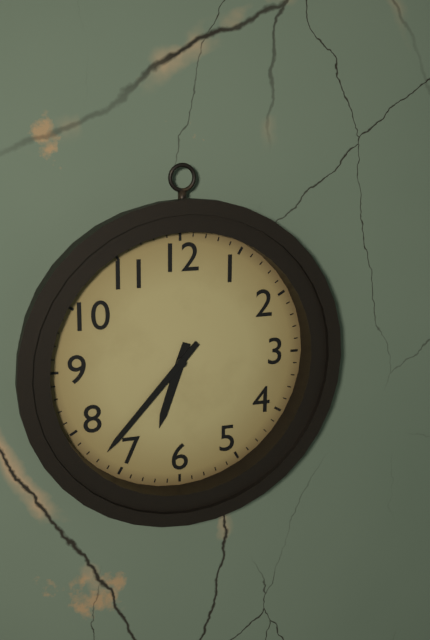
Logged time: **6:37**
